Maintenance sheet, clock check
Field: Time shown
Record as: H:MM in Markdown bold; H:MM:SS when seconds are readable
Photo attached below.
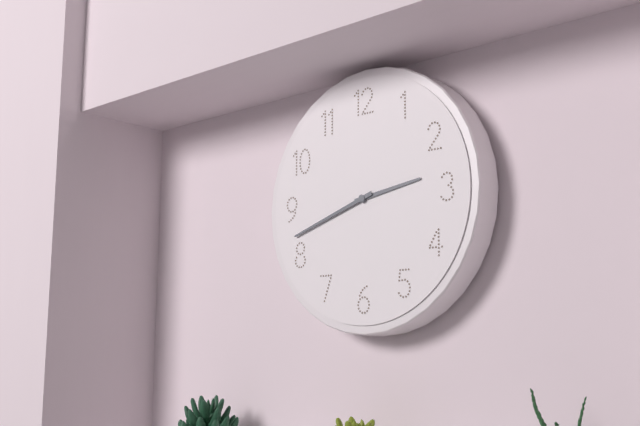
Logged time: **2:42**
